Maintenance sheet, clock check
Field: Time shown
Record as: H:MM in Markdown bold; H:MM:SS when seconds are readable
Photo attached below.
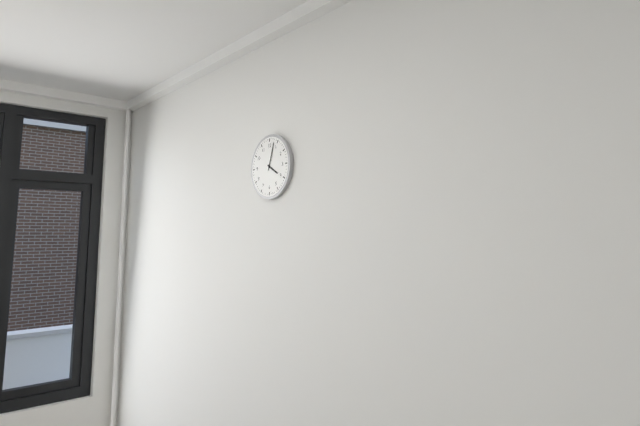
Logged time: **4:03**
